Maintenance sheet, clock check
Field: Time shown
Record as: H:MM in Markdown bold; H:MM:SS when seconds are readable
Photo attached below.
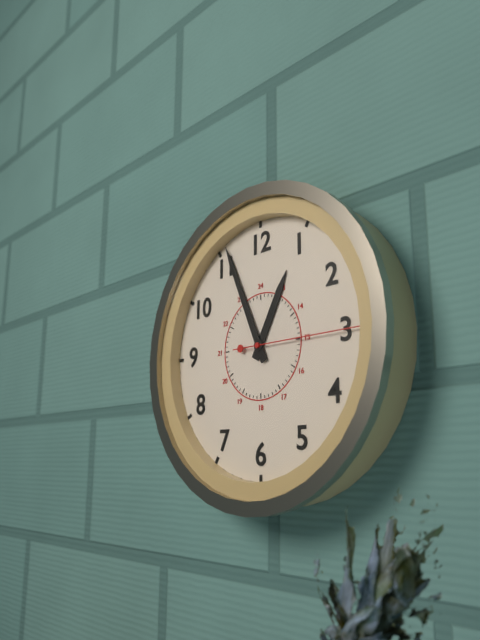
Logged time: **12:56:15**
